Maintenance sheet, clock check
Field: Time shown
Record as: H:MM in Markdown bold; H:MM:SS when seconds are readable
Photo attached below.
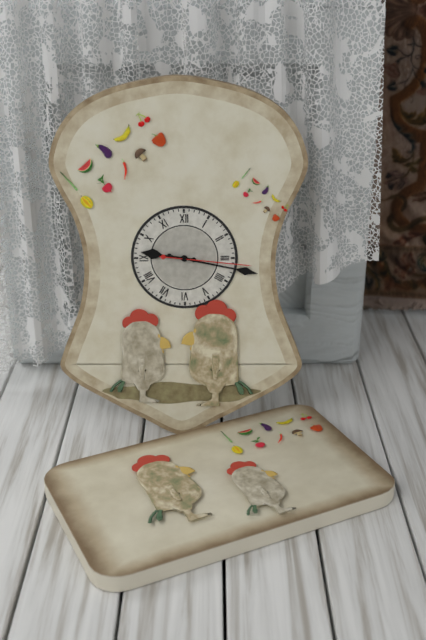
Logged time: **9:17:16**
